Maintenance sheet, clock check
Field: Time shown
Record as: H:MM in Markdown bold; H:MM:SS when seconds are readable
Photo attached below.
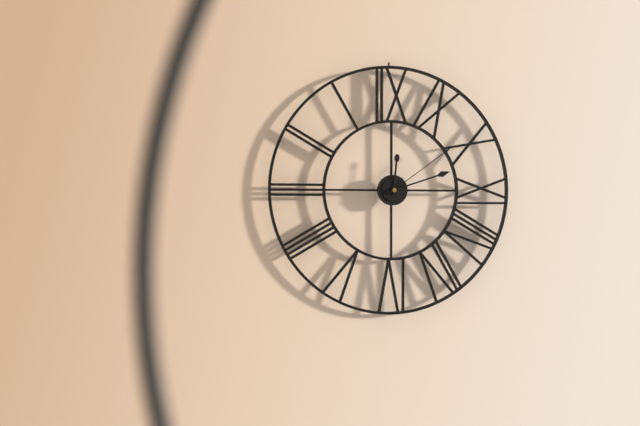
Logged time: **12:12:09**
